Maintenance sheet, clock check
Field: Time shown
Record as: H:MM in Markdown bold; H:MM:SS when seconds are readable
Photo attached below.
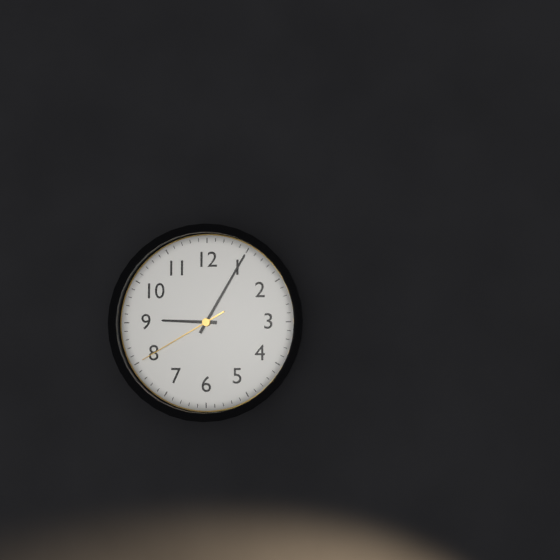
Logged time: **9:05:40**
